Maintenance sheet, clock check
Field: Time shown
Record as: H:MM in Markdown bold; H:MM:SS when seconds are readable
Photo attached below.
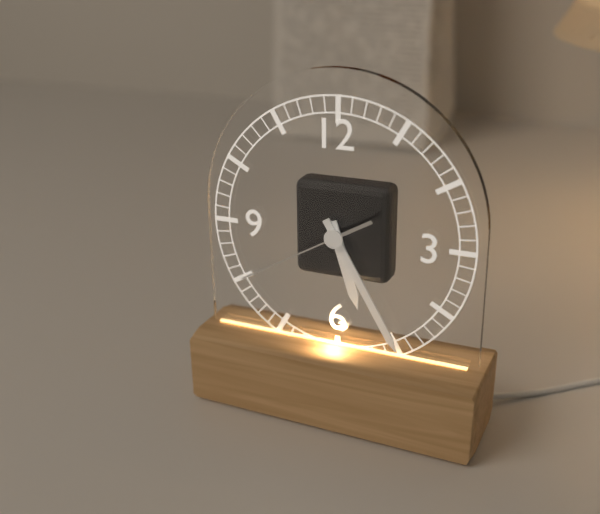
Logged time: **5:25:40**
